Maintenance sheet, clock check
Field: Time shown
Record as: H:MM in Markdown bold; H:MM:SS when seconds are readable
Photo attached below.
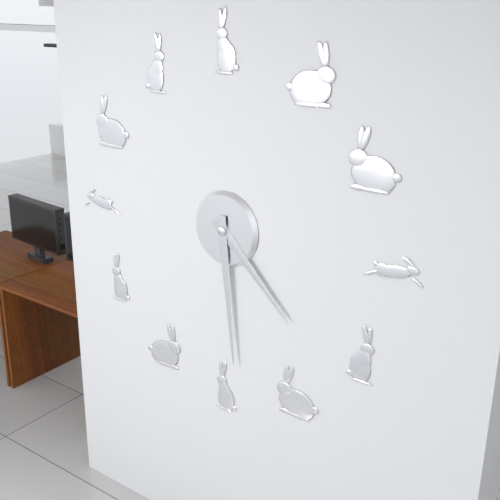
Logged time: **4:29**
